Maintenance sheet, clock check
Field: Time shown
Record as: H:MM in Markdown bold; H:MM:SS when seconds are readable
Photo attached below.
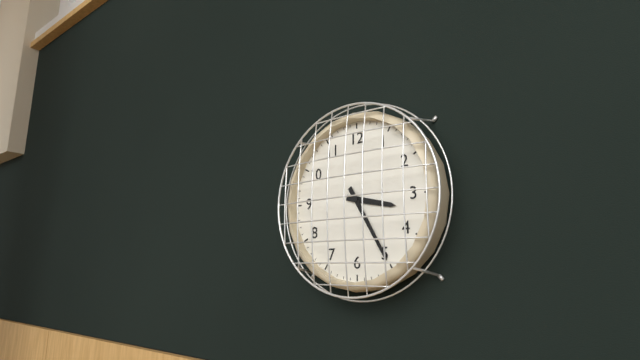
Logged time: **3:25**
